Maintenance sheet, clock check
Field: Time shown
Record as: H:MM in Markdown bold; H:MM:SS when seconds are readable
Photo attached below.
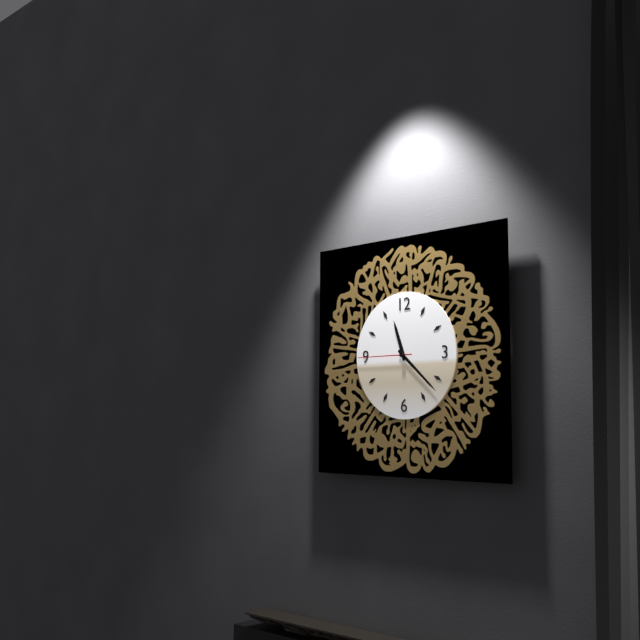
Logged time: **11:22:45**
